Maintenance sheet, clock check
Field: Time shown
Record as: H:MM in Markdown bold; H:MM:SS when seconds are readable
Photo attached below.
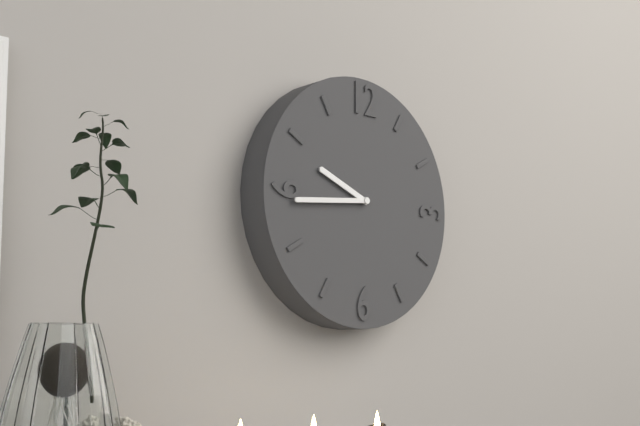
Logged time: **9:44**
